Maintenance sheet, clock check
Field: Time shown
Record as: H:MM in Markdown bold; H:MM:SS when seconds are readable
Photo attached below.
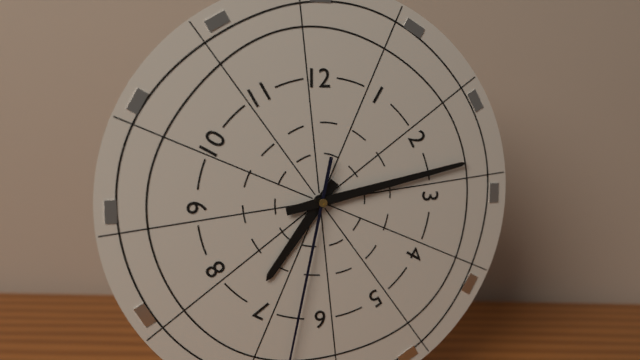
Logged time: **7:13**
